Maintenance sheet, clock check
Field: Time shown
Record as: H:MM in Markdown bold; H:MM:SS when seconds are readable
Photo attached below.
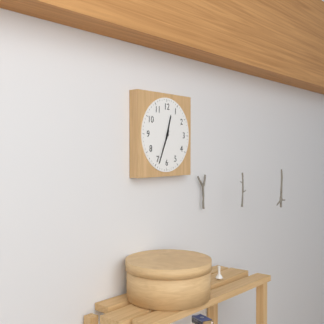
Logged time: **12:34**
